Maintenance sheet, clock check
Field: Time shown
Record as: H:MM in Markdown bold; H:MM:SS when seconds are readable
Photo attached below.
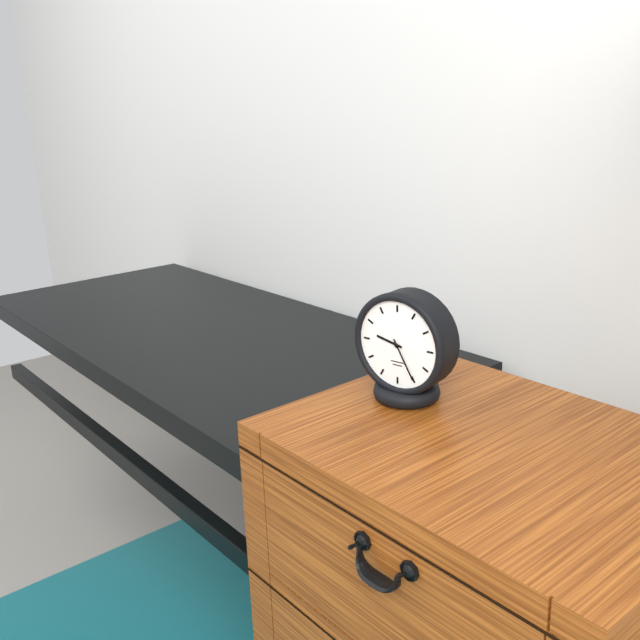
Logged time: **9:25**
